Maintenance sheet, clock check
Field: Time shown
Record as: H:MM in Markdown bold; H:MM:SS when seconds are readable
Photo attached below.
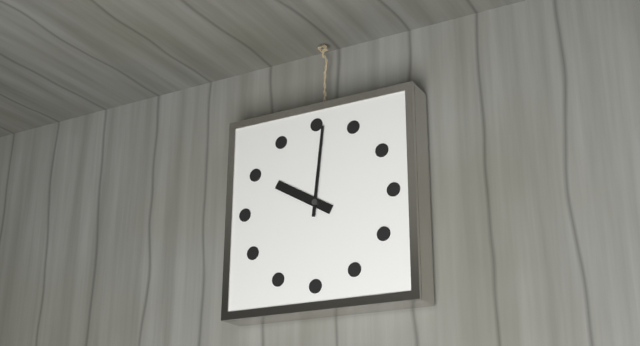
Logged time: **10:01**
